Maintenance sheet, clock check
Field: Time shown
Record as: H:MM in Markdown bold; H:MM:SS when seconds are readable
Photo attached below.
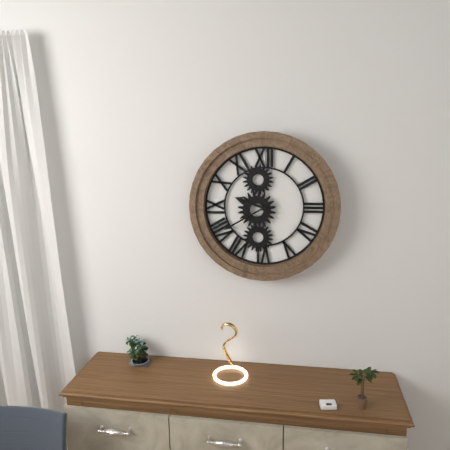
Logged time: **9:40**
